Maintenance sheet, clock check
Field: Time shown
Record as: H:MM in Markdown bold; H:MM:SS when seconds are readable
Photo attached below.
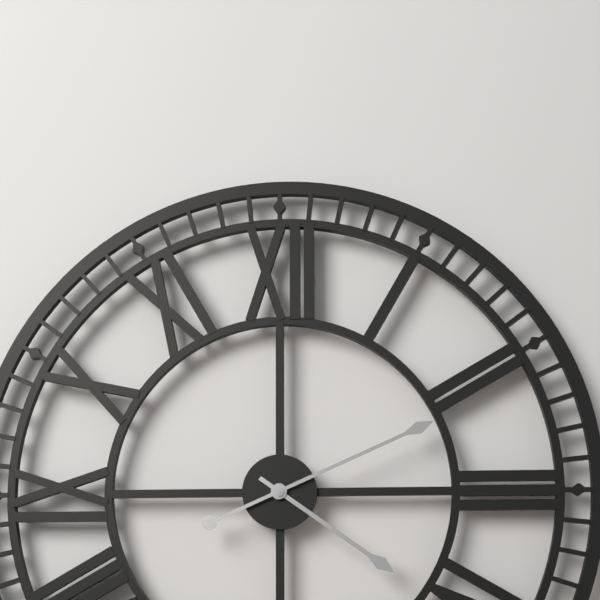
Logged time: **4:11**
